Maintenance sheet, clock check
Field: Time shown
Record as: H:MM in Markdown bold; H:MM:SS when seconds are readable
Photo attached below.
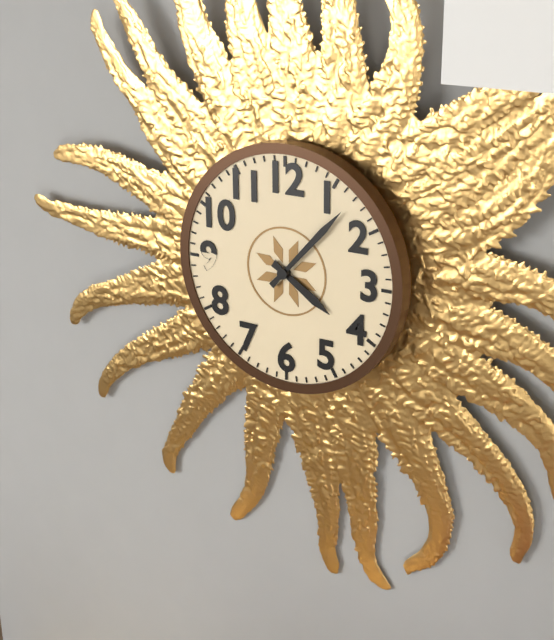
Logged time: **4:07**
